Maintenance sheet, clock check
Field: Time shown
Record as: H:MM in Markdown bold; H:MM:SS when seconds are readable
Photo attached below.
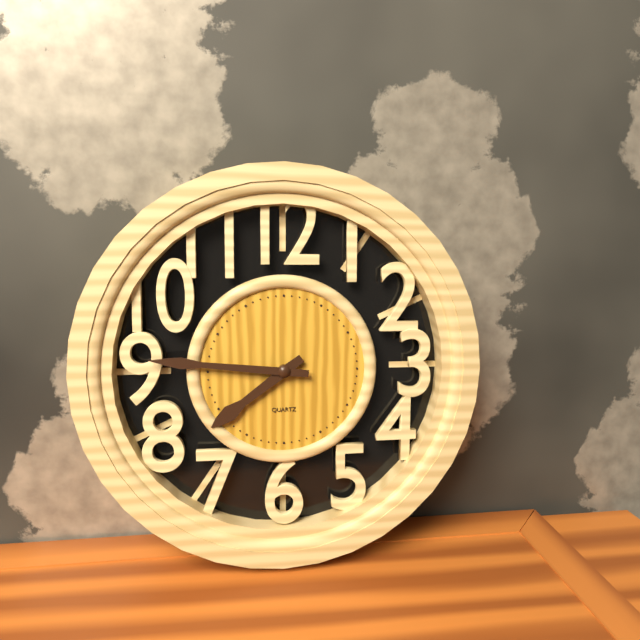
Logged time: **7:46**
